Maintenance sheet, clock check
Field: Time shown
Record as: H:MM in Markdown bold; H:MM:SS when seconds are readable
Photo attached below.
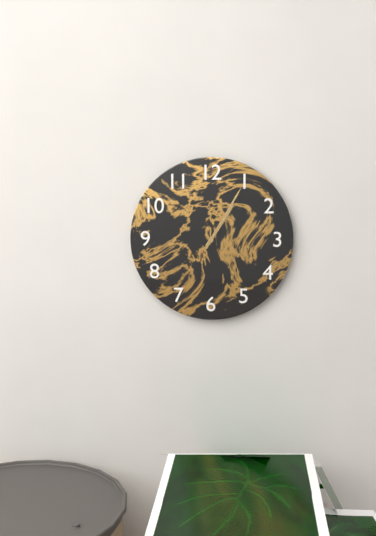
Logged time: **1:05**
